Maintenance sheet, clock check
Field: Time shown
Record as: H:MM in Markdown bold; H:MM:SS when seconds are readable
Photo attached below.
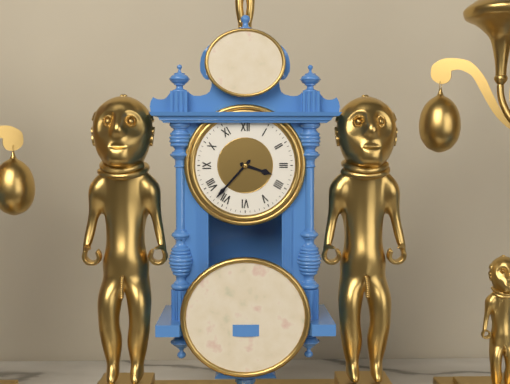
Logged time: **3:37**
